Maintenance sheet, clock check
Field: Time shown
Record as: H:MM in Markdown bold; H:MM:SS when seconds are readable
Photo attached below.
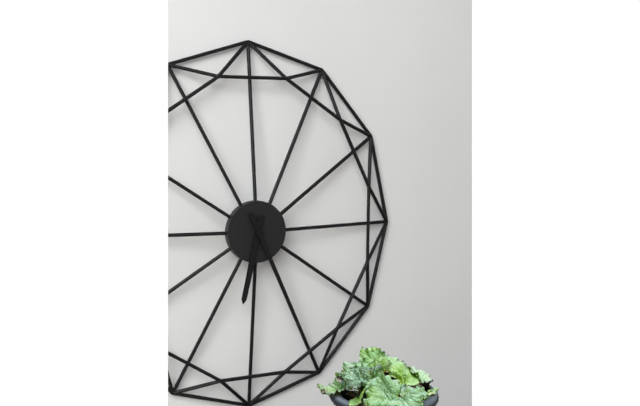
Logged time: **6:26**
